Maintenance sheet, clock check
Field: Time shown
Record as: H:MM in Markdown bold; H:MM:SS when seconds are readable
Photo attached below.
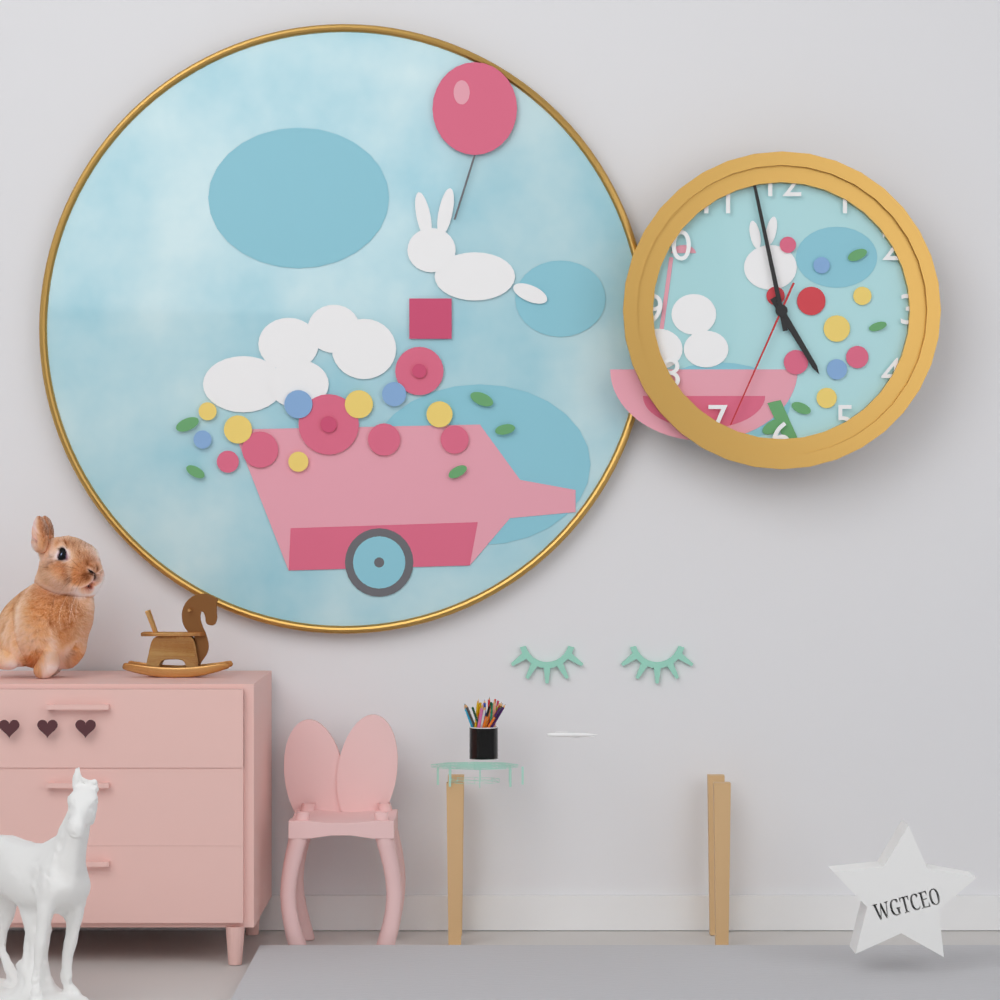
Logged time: **4:58:34**
